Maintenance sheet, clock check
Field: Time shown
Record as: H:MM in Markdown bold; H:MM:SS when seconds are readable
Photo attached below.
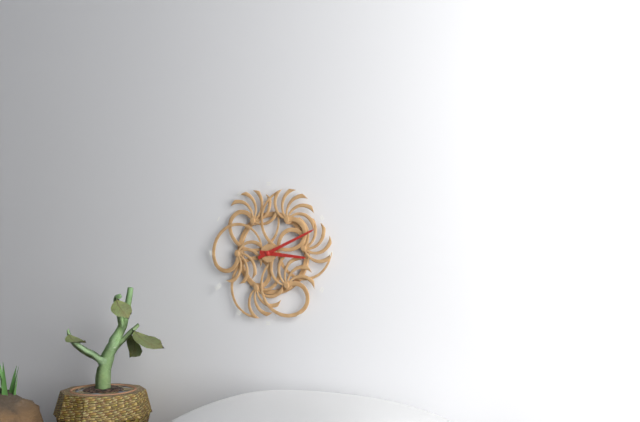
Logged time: **3:11**
